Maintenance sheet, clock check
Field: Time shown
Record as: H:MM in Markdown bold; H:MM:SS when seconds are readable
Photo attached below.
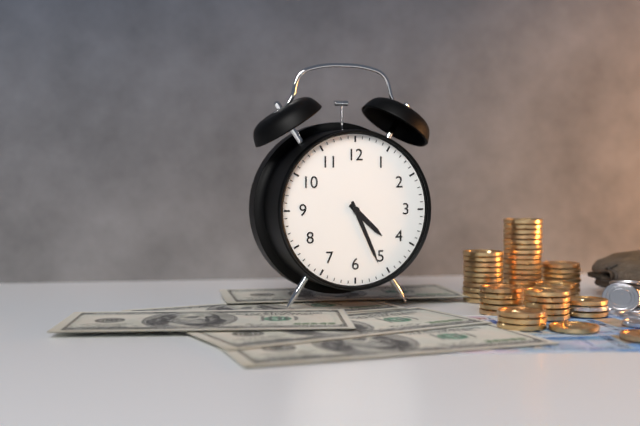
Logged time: **4:26**
